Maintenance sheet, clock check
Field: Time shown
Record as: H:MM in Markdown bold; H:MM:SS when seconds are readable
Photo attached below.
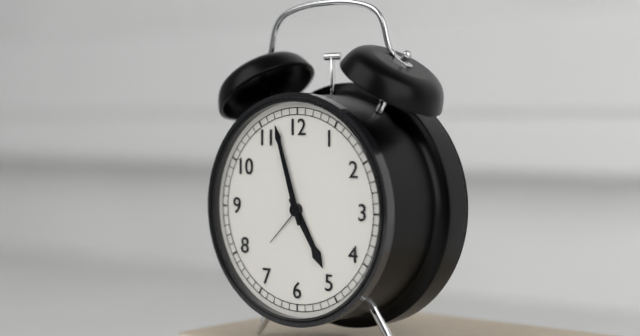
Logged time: **4:57**
